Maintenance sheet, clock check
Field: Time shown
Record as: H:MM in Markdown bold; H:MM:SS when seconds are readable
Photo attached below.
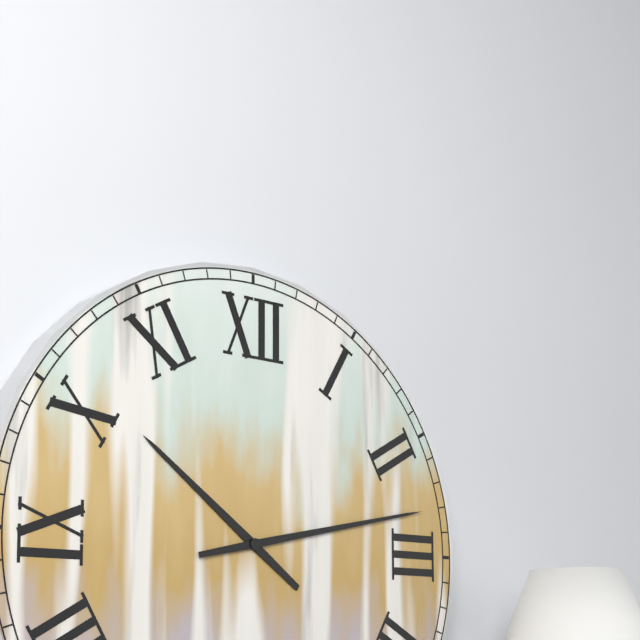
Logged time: **10:13**
